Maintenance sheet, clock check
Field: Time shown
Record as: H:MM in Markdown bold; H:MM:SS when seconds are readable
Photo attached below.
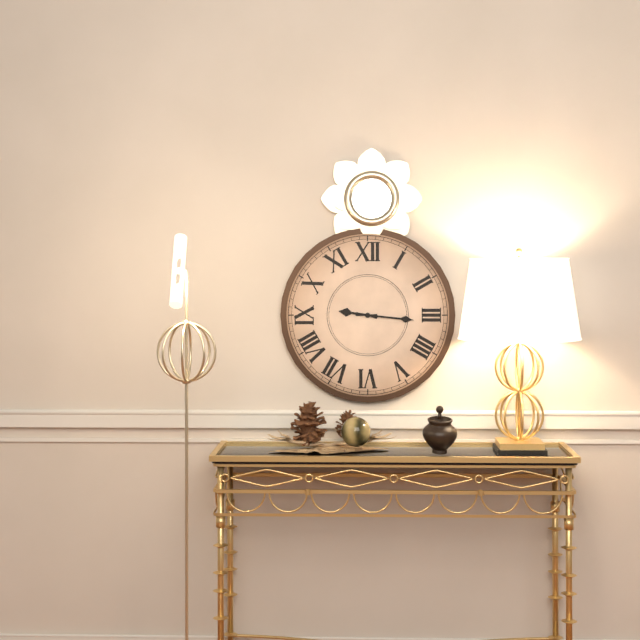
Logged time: **9:16**
